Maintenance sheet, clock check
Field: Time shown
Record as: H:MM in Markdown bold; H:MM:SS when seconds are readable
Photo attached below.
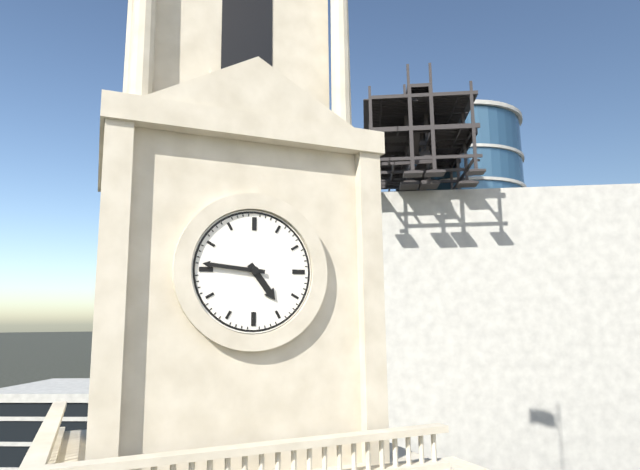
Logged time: **4:46**
